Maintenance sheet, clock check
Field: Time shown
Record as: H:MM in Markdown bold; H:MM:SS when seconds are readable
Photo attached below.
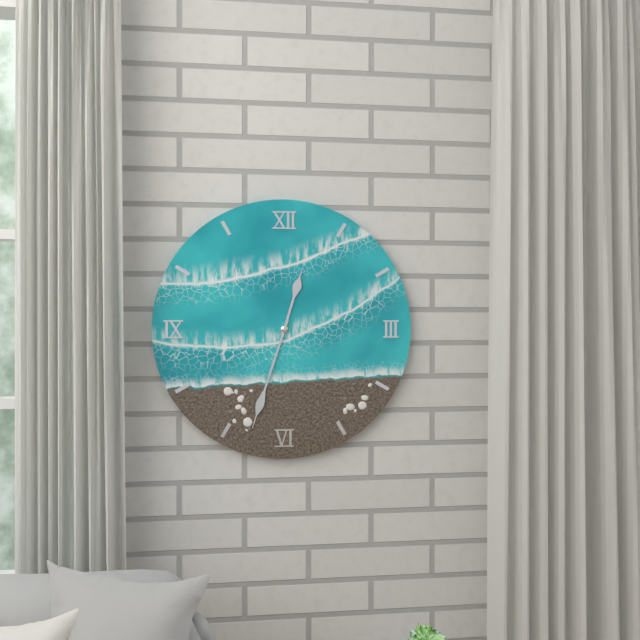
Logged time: **12:33**
